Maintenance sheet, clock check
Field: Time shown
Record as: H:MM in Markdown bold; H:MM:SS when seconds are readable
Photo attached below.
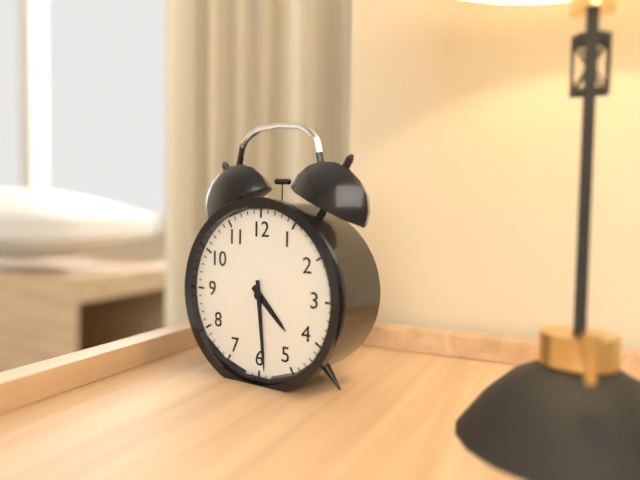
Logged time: **4:29**
